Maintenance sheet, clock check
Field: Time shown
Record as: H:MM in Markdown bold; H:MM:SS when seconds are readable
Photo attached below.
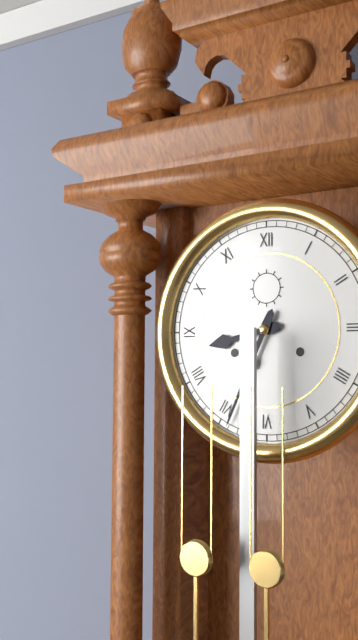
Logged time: **8:34**
